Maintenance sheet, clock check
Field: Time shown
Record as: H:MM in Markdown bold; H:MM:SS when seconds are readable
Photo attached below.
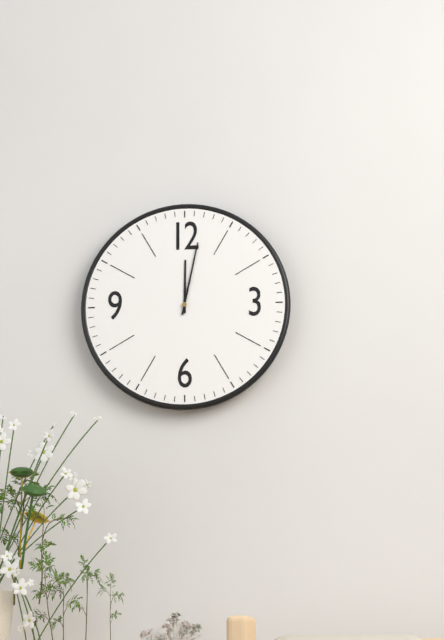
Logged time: **12:02**
